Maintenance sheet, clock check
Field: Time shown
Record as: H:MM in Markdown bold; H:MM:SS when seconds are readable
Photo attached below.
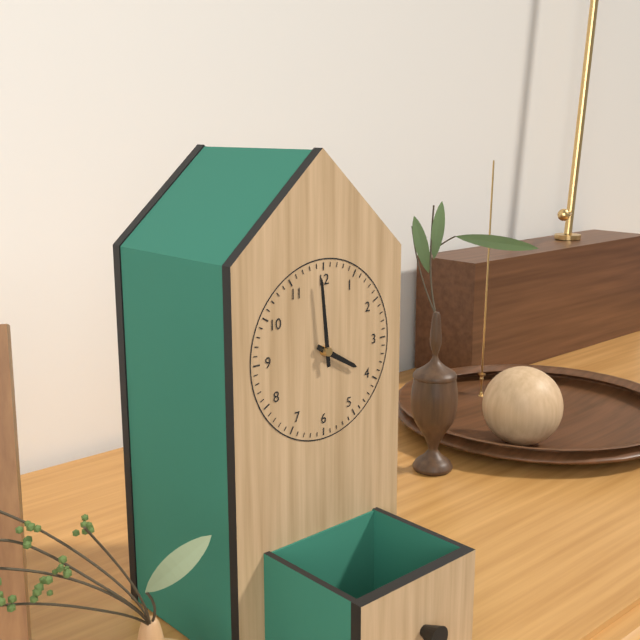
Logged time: **3:59**
